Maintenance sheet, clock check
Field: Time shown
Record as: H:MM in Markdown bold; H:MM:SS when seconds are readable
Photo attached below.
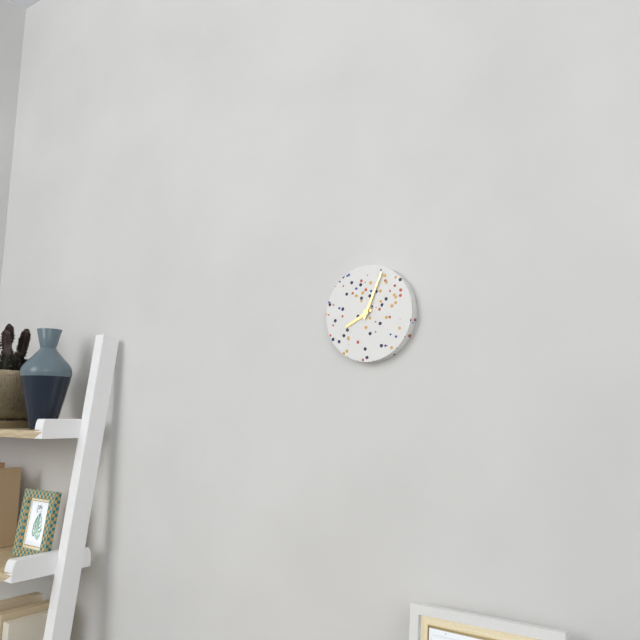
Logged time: **8:04**
